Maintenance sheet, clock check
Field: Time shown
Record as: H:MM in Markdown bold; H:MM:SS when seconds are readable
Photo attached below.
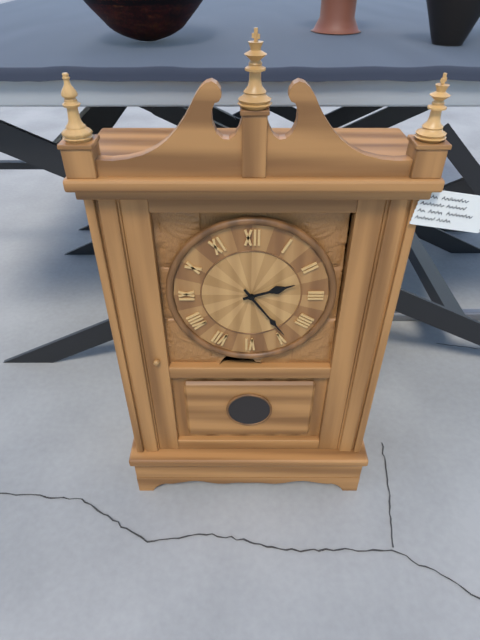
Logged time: **2:24**
